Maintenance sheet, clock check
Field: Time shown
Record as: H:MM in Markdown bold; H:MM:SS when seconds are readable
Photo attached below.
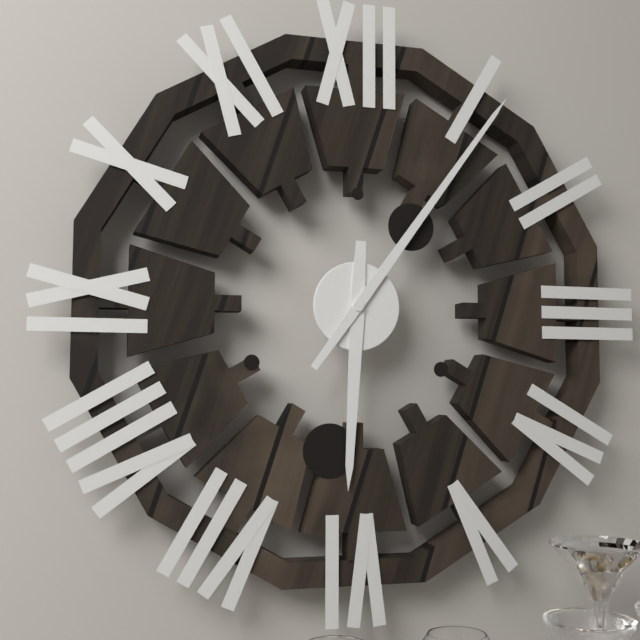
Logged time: **6:06**
